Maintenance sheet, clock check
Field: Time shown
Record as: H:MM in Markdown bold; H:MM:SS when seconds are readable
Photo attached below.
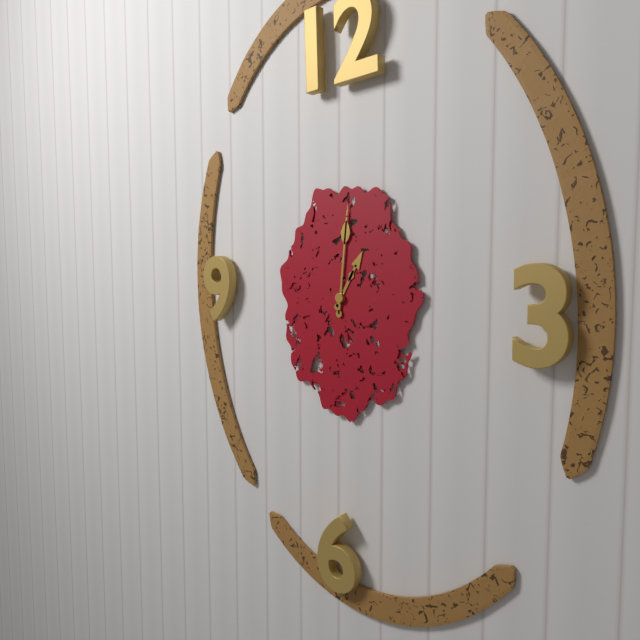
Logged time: **1:01**
